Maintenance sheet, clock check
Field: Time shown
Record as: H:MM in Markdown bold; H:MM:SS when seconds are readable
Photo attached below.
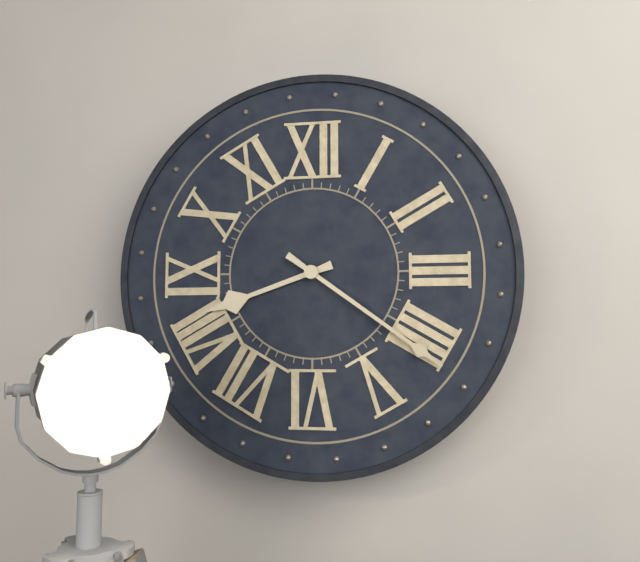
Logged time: **8:21**
